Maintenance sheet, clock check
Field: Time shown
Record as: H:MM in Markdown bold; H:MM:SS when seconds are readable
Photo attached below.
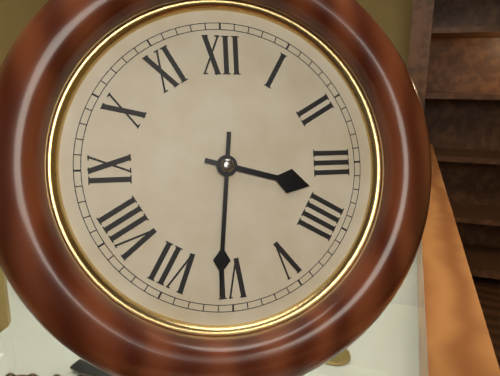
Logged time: **3:31**
